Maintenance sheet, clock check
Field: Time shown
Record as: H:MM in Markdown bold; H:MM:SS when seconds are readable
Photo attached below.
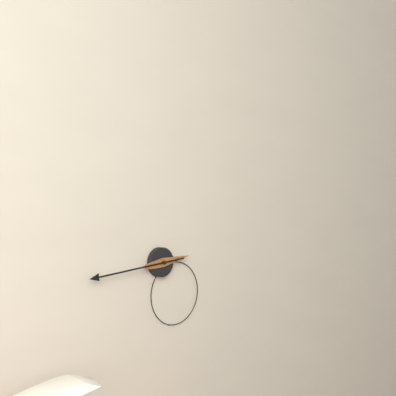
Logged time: **2:44**
